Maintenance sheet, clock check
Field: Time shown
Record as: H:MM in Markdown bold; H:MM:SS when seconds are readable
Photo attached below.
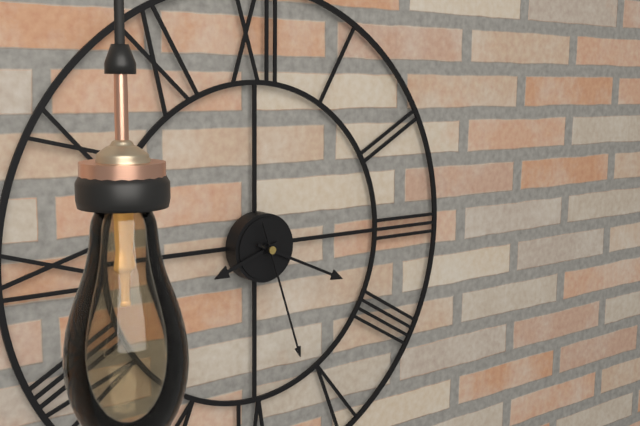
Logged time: **8:19:27**
